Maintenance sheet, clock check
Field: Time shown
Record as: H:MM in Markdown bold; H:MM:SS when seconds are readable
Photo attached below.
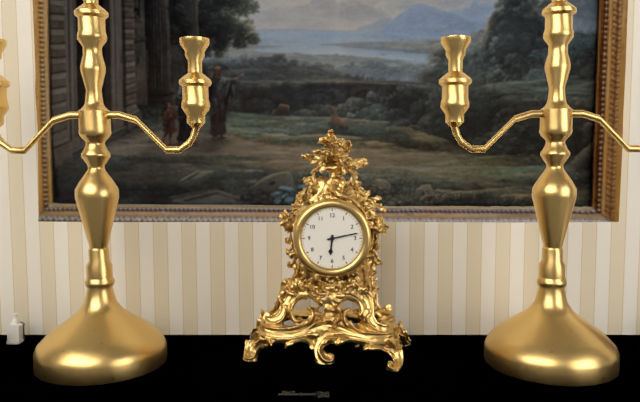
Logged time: **6:13**
